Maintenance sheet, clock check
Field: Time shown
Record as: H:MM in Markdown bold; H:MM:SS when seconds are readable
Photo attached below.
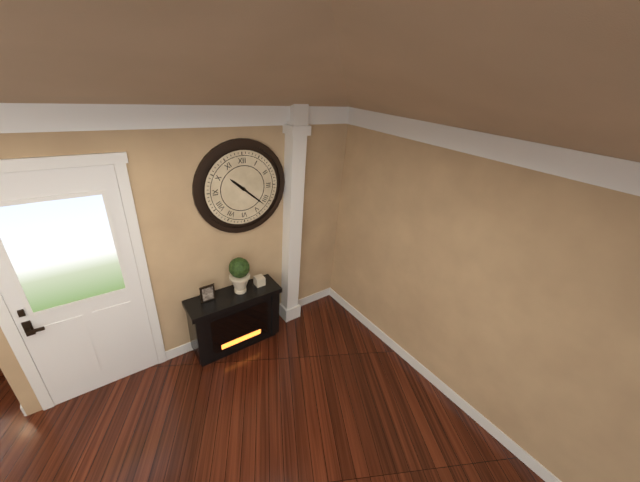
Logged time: **10:22**
